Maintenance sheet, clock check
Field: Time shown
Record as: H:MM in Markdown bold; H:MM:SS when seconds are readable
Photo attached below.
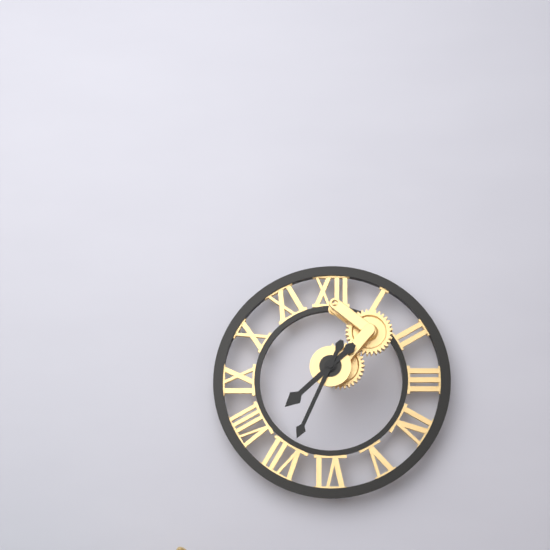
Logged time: **7:34**
